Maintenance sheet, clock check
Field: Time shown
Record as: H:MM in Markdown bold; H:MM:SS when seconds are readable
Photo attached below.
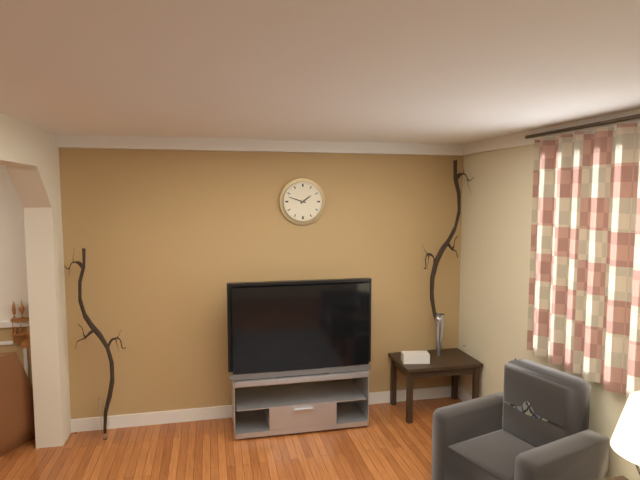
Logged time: **1:48**
